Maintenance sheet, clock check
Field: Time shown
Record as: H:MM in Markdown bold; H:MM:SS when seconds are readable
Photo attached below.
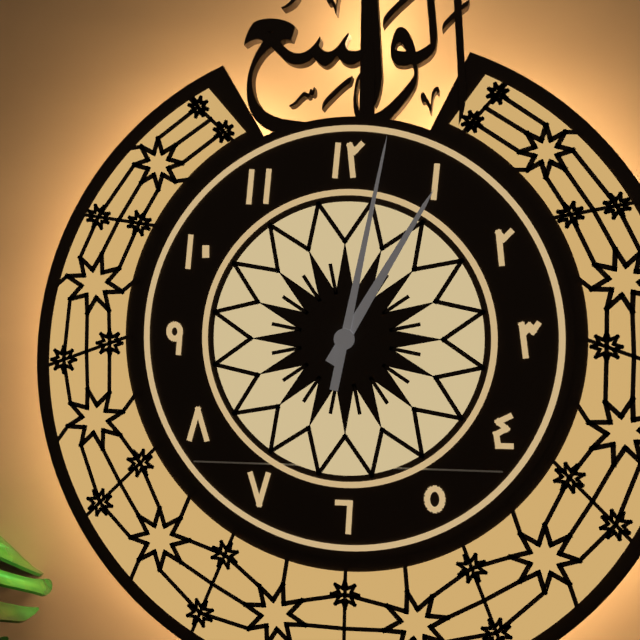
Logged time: **1:02**
